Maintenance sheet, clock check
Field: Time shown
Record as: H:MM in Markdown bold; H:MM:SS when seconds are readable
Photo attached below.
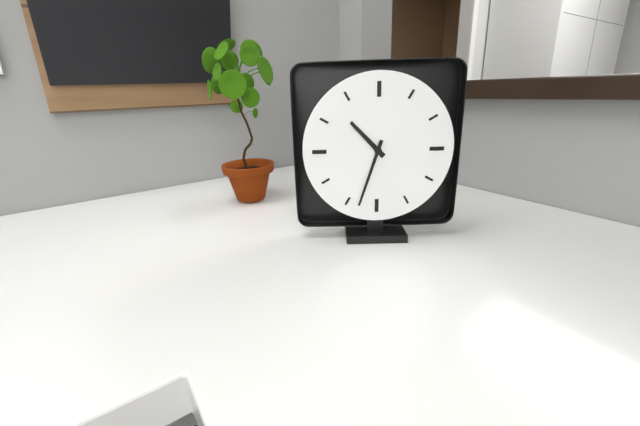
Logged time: **10:33**
